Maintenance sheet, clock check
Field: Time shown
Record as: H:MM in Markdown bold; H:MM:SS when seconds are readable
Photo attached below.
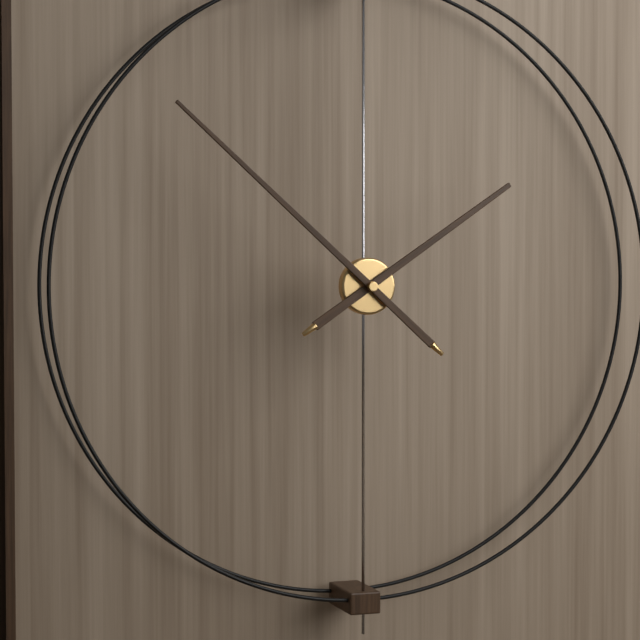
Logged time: **1:52**
